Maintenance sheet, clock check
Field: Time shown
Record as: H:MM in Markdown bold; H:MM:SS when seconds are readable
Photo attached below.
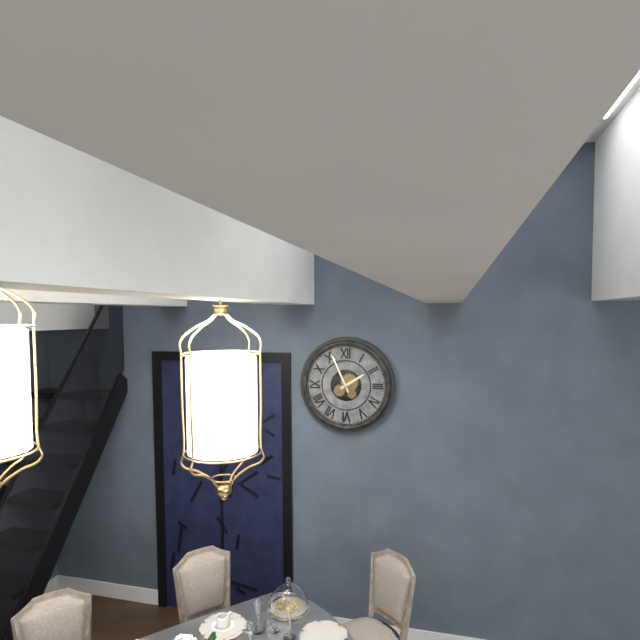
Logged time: **1:56**
